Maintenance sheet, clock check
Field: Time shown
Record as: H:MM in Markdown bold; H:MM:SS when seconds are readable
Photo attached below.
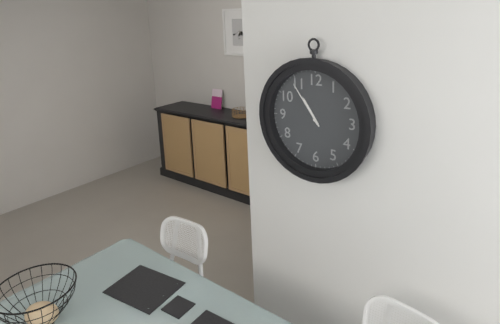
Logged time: **10:54**
